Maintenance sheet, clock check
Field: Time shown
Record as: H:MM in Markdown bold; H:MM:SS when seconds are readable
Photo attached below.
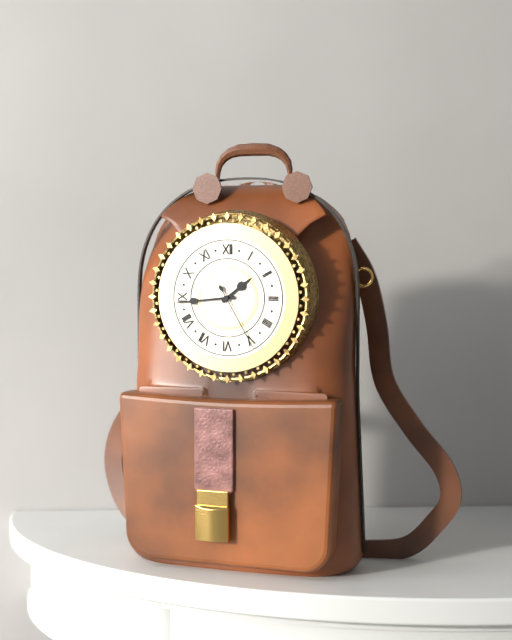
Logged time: **1:44:25**
